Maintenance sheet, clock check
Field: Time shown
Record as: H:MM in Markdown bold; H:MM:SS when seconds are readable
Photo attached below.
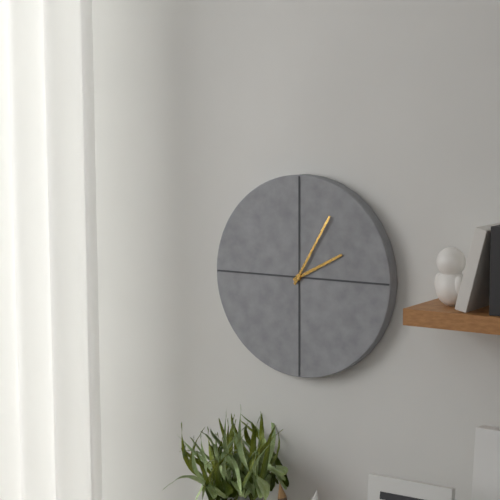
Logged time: **2:05**
